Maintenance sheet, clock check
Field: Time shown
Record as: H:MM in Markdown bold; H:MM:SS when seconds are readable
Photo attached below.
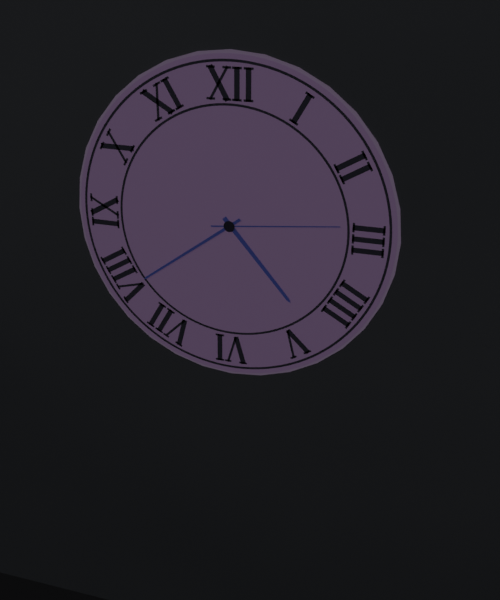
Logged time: **4:39:14**
